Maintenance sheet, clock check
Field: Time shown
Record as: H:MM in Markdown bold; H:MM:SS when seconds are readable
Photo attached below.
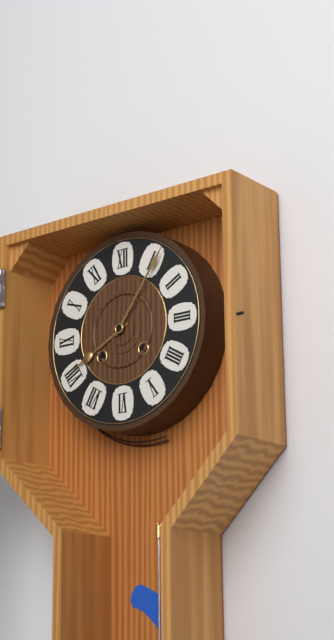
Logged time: **8:06**
